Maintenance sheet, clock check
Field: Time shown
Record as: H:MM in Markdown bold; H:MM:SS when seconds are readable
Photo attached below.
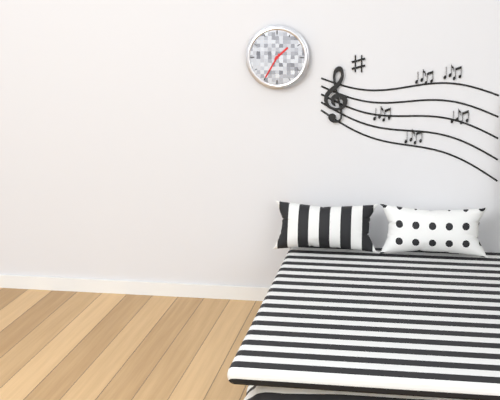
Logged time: **1:35**
